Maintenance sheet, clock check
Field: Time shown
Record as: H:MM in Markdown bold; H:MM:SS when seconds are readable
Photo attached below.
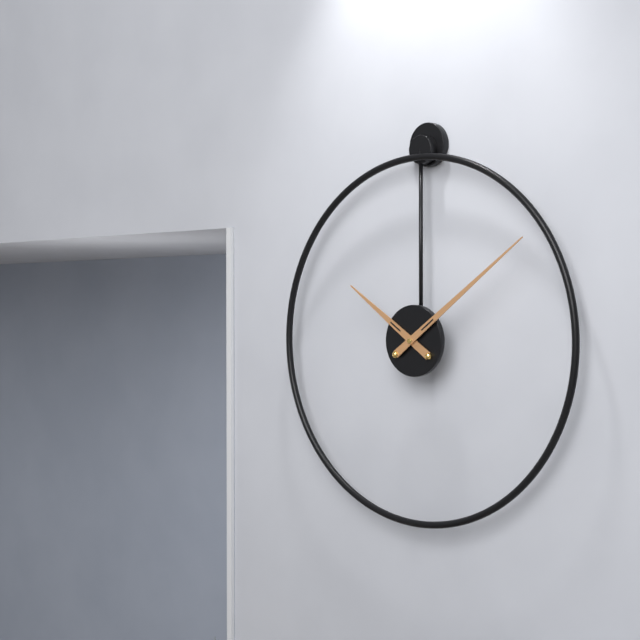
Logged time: **10:09**
